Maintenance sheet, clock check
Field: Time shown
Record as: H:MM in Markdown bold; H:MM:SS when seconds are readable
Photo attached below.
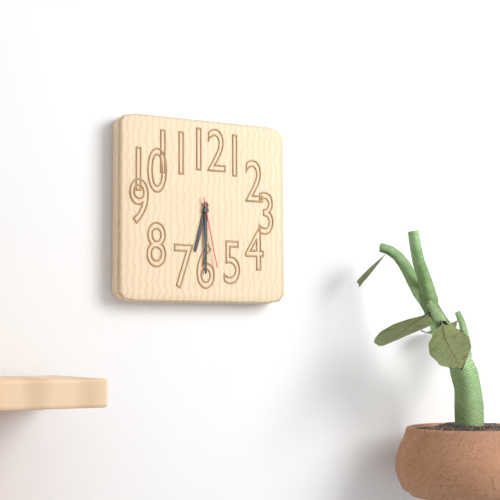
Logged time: **6:30:28**
